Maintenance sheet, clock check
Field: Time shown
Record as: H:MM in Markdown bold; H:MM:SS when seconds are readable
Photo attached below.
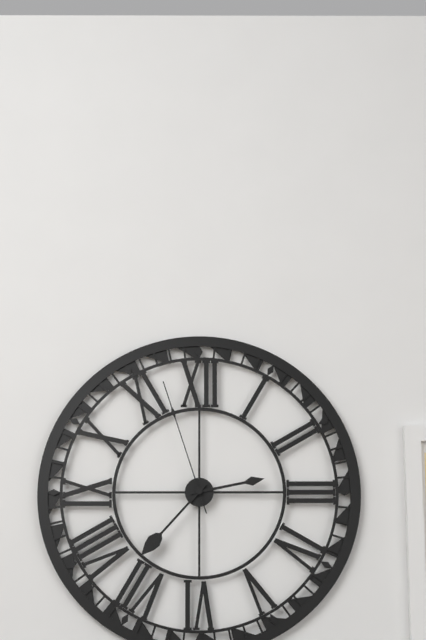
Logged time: **2:37:57**
